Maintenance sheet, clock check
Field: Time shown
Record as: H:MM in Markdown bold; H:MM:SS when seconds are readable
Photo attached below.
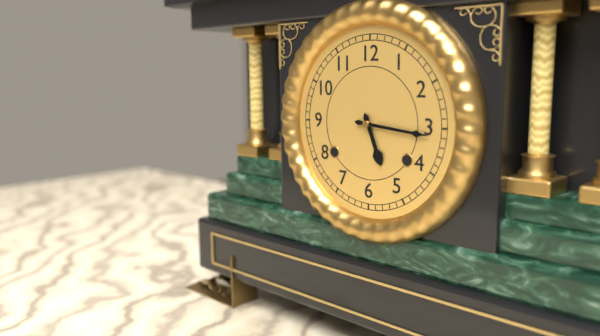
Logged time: **5:16**
